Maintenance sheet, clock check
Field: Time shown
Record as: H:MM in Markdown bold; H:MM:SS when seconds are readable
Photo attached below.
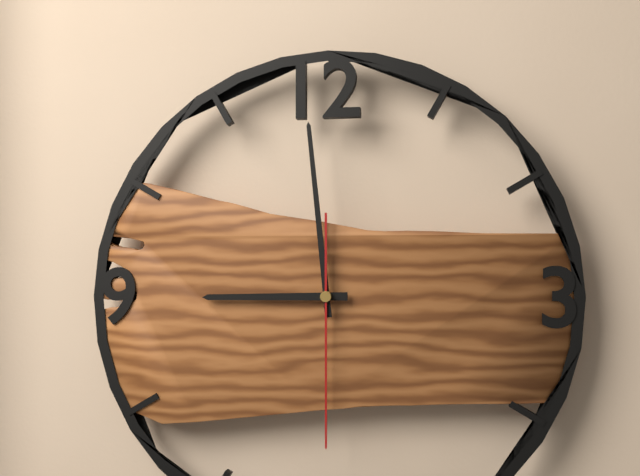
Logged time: **8:59:30**
